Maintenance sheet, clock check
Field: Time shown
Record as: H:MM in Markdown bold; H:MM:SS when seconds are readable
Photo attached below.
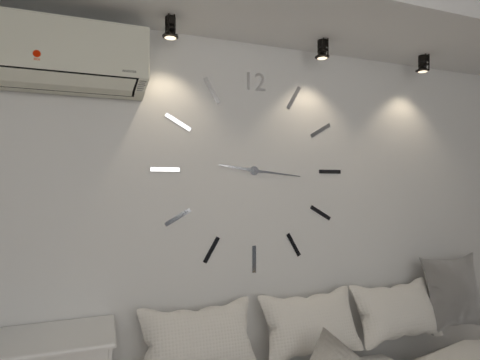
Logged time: **9:16**
